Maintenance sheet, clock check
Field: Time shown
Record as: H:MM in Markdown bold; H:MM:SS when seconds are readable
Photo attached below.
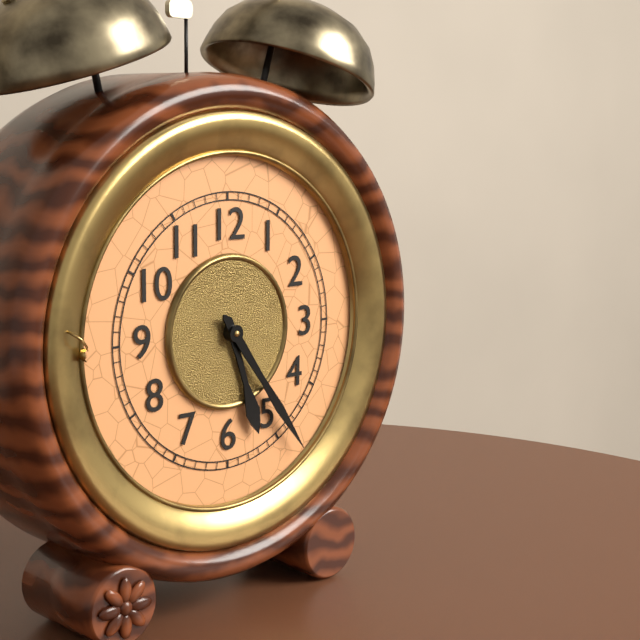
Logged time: **5:24**
